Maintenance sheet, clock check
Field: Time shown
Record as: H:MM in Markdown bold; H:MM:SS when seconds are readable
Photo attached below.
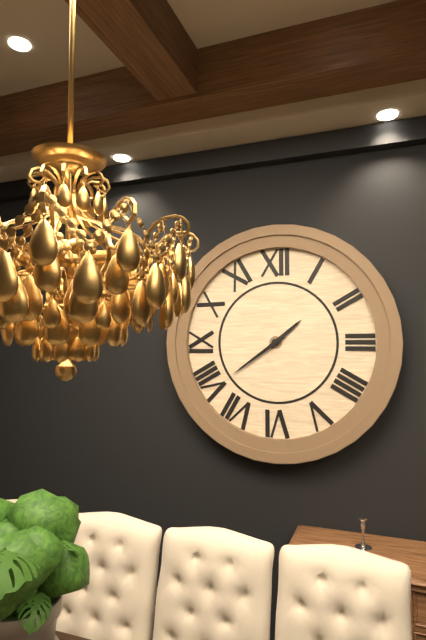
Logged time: **1:39**
